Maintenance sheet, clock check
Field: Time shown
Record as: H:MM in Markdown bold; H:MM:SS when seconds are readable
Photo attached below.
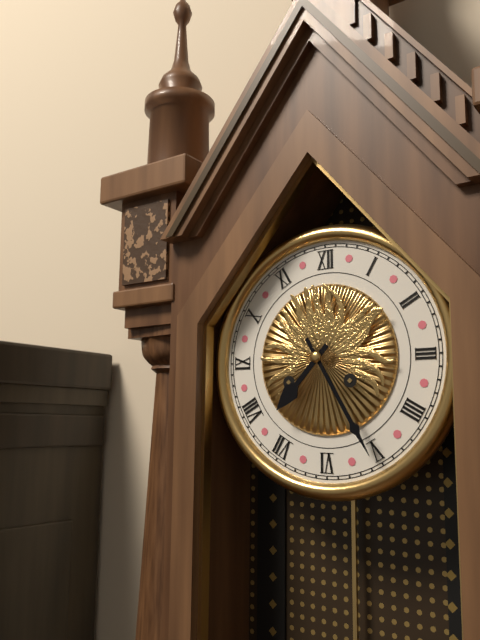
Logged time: **7:25**
